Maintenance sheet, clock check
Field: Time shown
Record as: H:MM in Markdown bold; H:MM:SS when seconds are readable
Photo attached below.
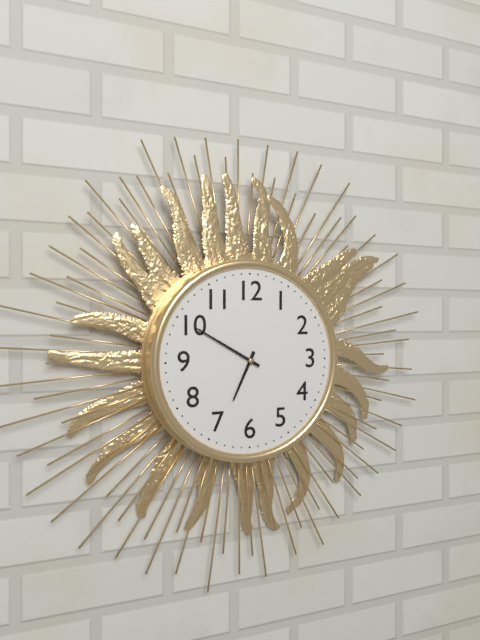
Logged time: **6:50**
